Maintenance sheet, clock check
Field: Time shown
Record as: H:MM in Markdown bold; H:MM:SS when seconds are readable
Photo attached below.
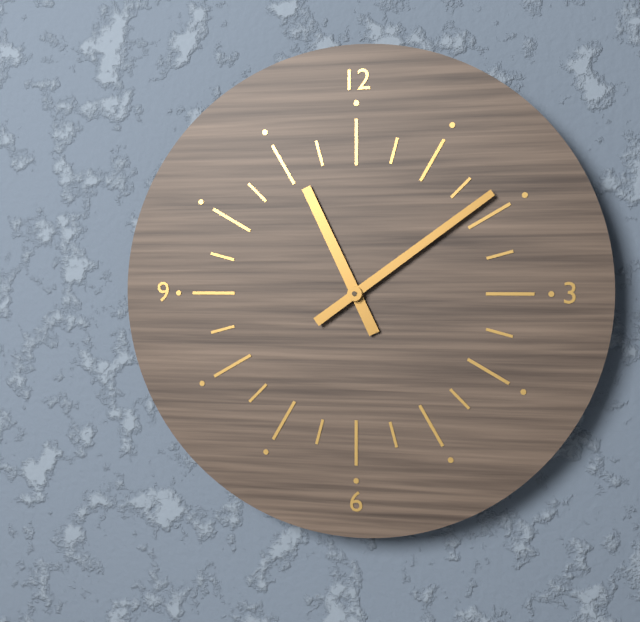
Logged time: **11:09**
